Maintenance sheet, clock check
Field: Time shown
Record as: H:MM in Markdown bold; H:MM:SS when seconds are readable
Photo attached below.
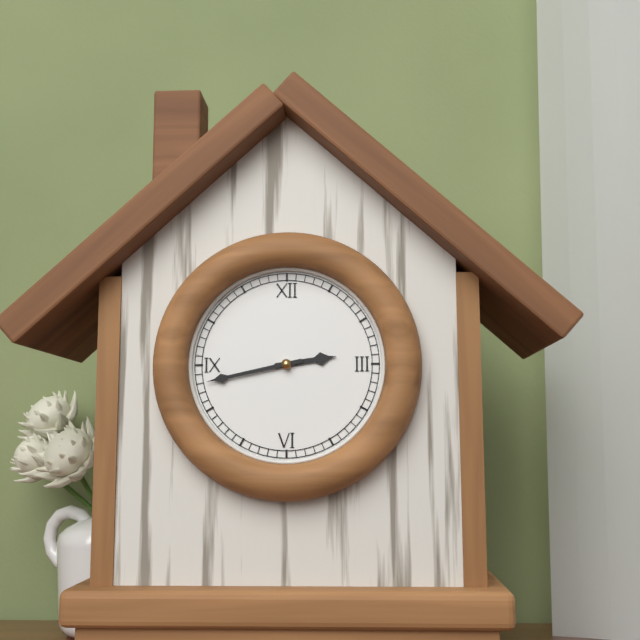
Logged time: **2:43**
